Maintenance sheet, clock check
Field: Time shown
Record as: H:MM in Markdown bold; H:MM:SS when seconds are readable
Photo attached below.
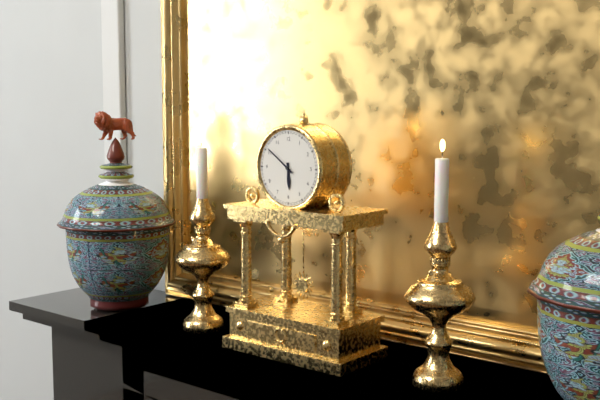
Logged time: **5:51**
